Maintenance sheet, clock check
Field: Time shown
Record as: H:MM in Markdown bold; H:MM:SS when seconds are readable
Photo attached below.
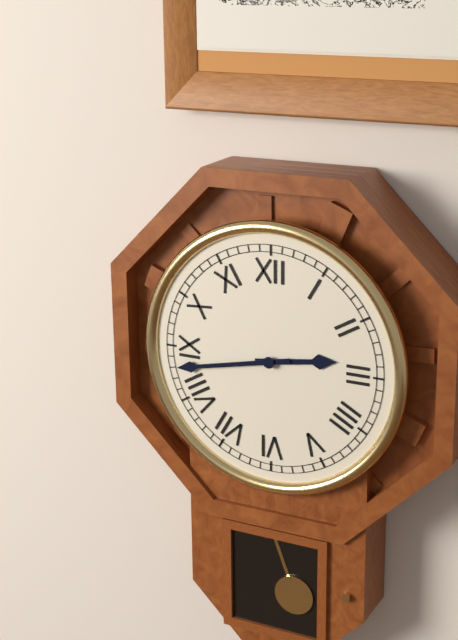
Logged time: **2:43**
